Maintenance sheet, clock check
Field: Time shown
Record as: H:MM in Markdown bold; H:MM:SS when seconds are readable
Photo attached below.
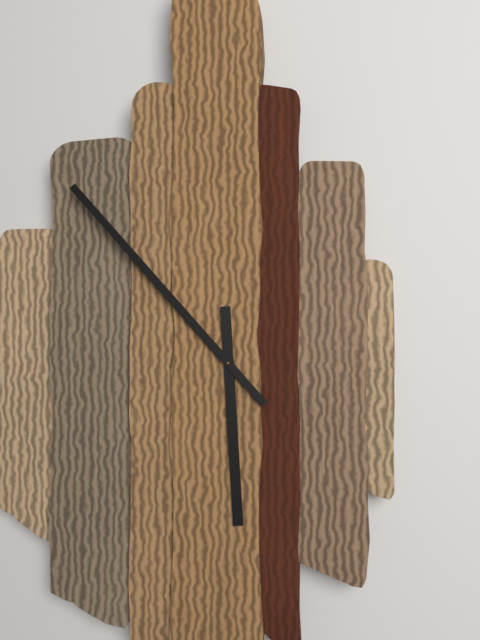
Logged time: **5:53**
